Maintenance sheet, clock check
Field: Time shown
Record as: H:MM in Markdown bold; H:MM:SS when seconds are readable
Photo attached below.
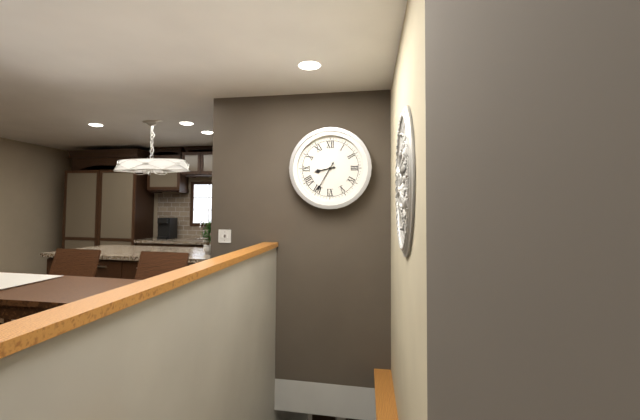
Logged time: **8:35**
